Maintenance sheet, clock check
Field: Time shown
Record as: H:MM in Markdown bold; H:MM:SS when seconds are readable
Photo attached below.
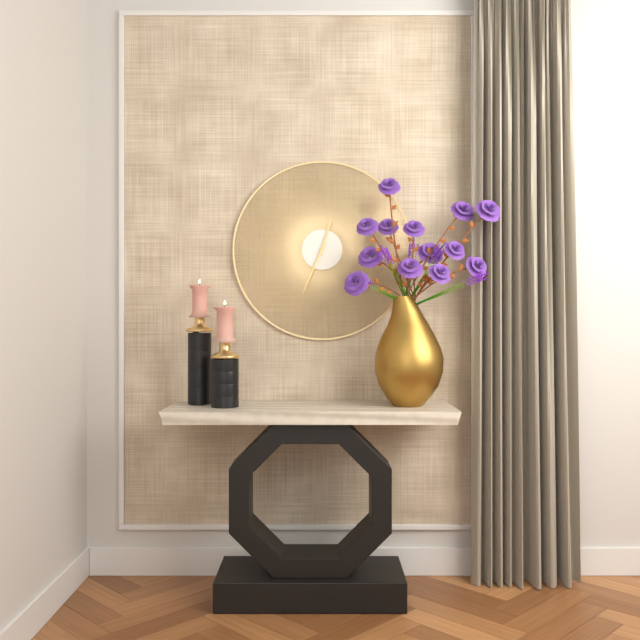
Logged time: **12:34**
